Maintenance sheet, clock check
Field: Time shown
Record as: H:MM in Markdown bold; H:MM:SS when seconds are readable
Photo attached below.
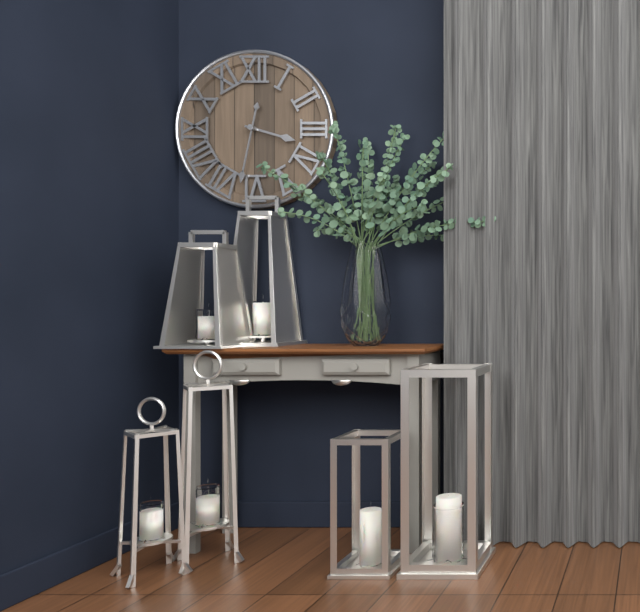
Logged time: **3:32**
